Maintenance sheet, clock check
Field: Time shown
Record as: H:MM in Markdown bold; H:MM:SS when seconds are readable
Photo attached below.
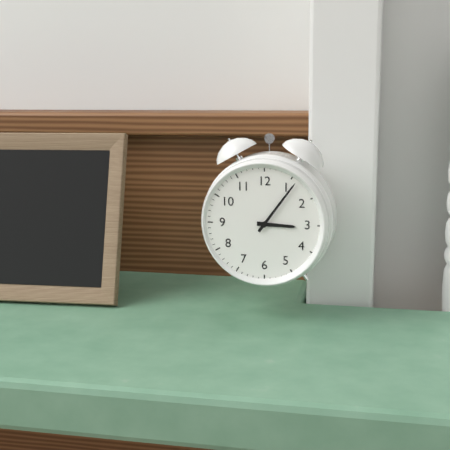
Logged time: **3:06**
